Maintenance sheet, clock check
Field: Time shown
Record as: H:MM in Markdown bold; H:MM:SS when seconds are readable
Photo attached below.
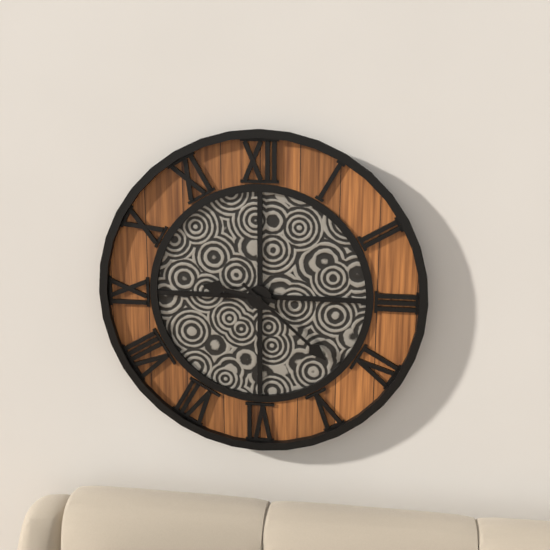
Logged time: **9:22**
